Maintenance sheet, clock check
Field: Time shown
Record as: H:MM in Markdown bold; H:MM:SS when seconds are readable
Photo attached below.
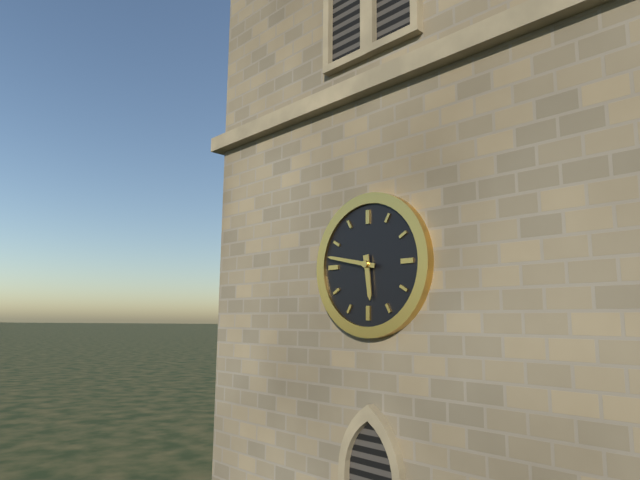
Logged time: **5:47**
